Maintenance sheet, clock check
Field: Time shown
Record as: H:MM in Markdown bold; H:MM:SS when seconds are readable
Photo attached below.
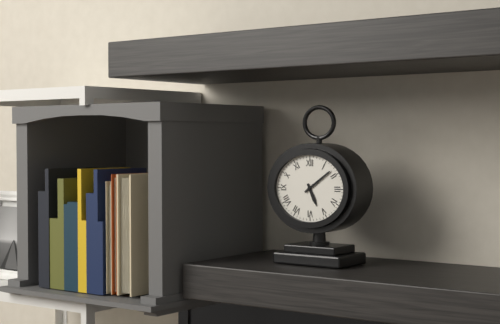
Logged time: **5:09**
